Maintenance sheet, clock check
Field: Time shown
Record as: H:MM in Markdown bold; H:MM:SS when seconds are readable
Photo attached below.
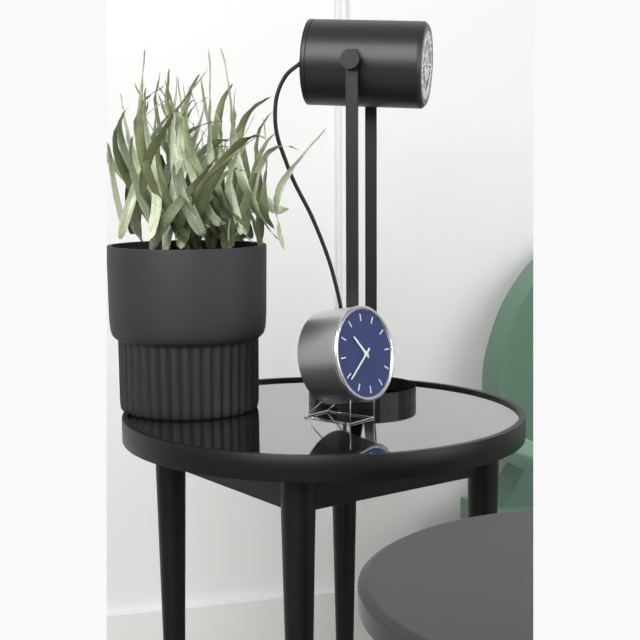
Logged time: **10:39**
